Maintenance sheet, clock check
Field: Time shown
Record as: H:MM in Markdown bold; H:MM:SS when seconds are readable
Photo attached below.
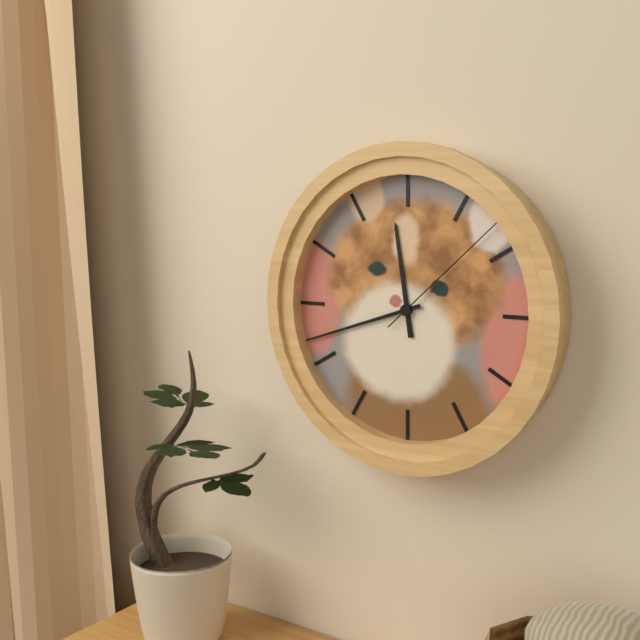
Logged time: **11:42:08**
